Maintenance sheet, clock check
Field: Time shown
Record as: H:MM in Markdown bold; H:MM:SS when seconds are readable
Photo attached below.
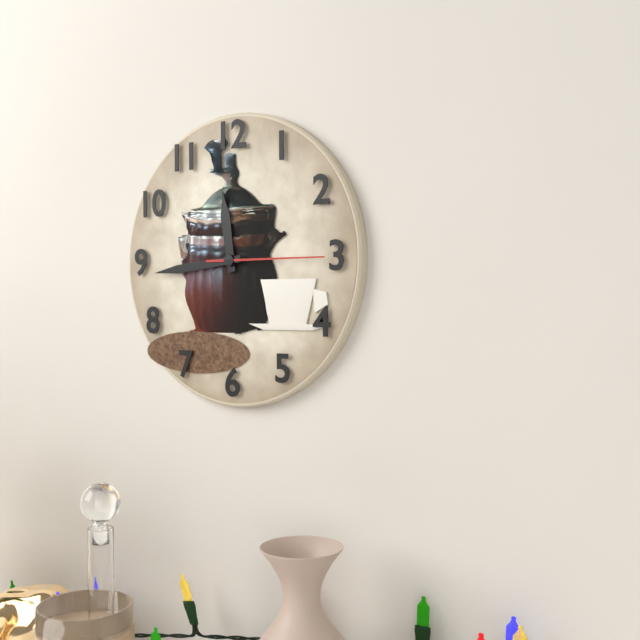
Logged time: **11:44:15**
